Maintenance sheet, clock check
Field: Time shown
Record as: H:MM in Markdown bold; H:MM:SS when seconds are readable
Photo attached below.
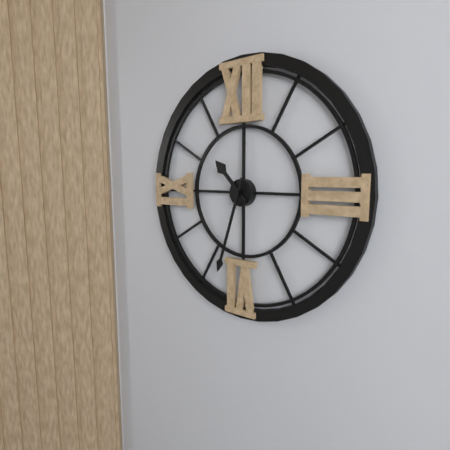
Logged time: **10:33**
